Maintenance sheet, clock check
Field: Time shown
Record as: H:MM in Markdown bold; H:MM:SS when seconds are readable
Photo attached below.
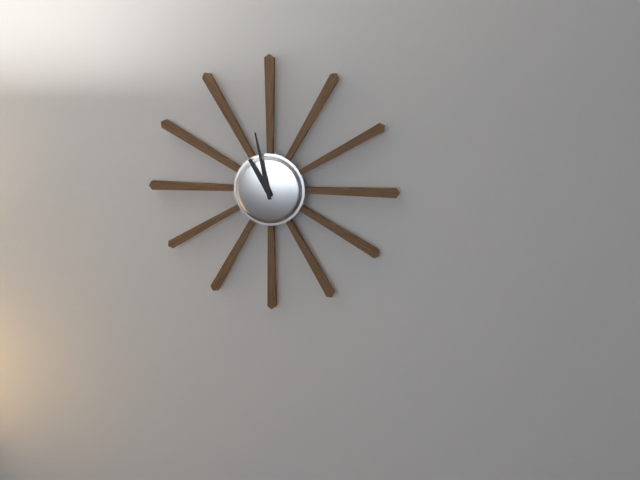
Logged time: **10:58**
